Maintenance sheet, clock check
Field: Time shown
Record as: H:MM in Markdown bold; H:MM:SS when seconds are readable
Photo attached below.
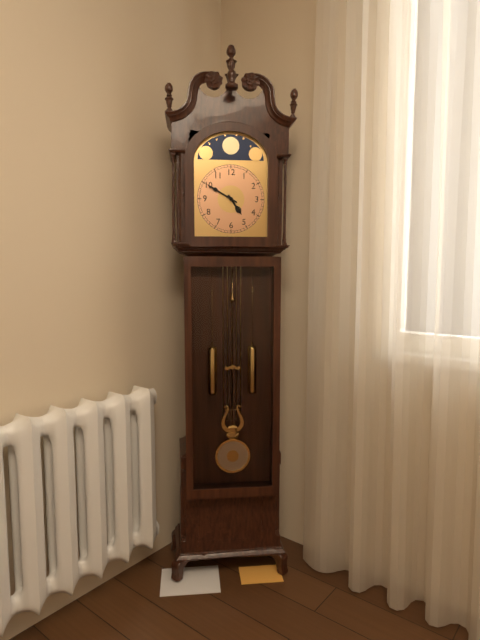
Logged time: **4:50**
